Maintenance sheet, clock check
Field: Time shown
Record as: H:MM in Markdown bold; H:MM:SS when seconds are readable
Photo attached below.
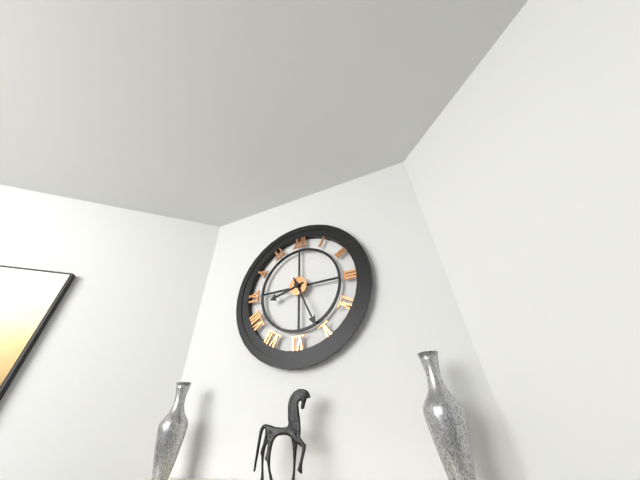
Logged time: **8:26**
